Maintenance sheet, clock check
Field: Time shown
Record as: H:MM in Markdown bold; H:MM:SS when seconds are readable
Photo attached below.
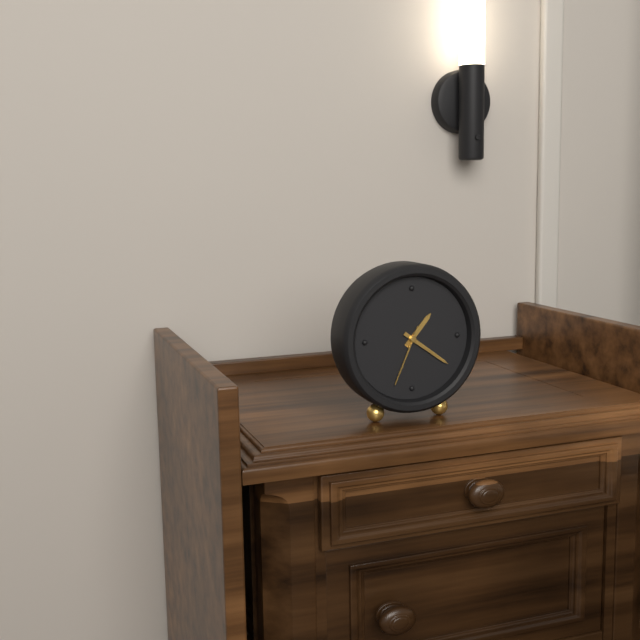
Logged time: **1:21:34**
